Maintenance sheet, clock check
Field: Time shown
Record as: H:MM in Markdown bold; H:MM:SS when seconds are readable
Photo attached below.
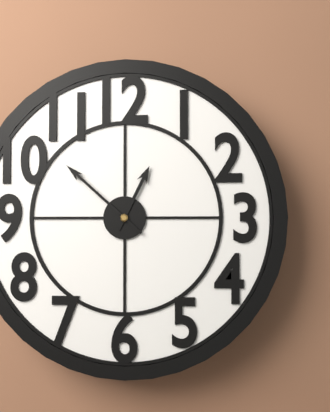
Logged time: **12:52**
